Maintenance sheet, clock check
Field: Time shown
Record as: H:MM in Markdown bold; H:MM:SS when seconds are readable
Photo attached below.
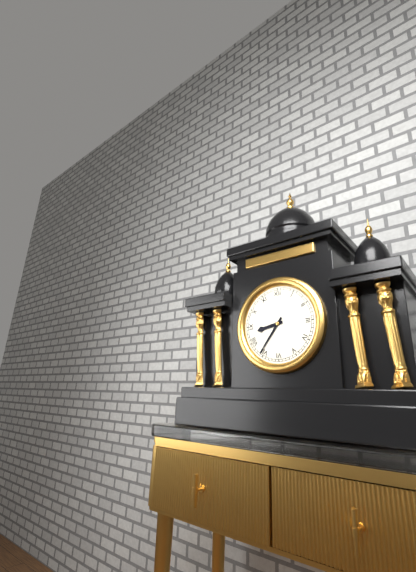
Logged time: **8:36**
